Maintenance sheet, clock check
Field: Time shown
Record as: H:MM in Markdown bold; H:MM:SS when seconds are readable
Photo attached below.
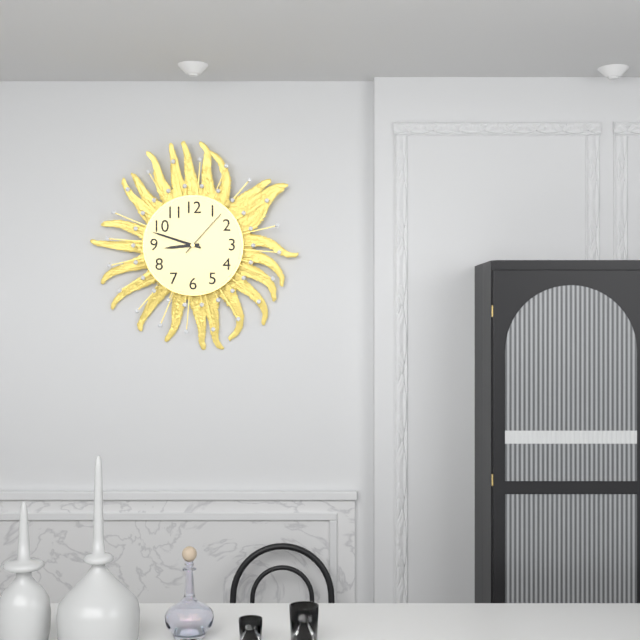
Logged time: **8:48:07**
